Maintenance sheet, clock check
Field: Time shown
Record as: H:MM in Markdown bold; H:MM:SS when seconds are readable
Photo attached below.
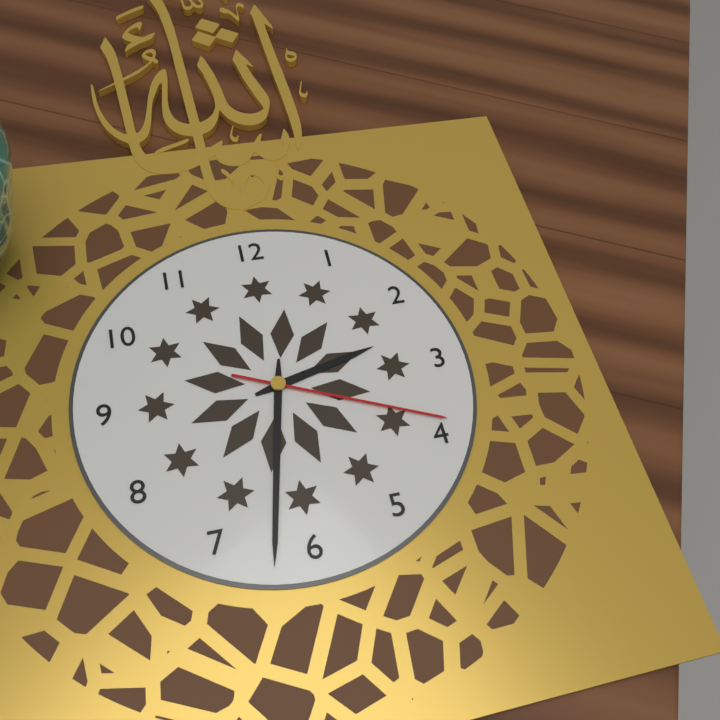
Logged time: **2:32:19**
